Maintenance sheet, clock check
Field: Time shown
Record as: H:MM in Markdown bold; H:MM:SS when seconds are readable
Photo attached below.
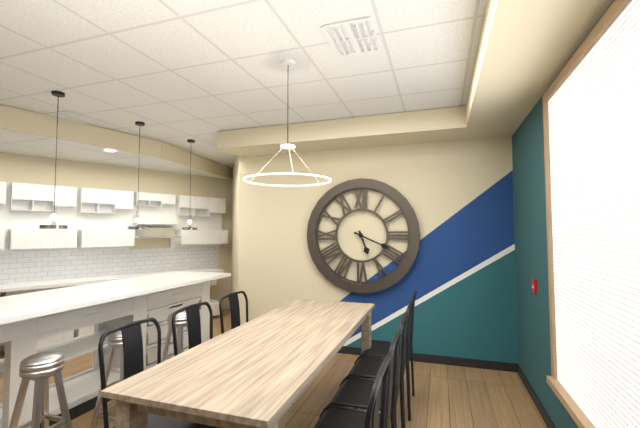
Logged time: **5:19**
